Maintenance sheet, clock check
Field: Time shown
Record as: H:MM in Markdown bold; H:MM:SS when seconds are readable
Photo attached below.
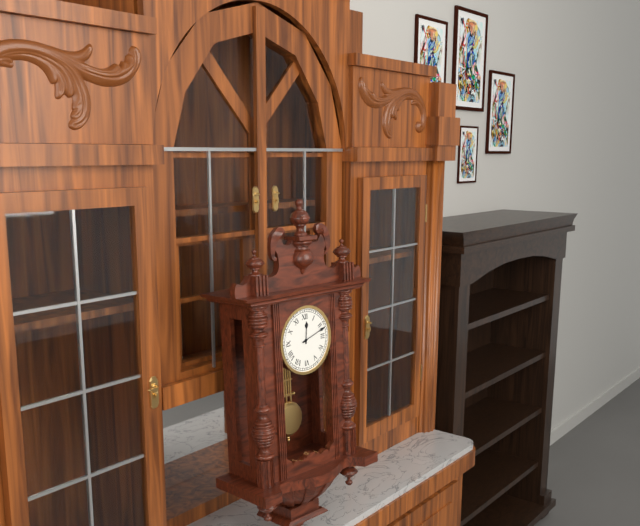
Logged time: **12:12**
